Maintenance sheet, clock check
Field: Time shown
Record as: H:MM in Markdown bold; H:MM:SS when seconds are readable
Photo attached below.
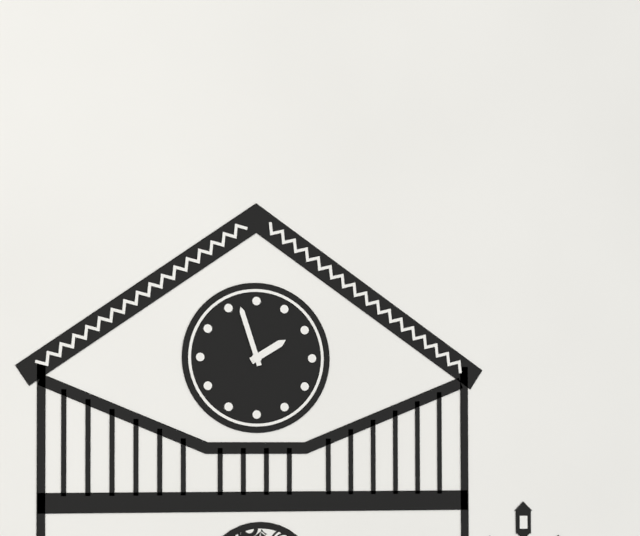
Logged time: **1:57**
